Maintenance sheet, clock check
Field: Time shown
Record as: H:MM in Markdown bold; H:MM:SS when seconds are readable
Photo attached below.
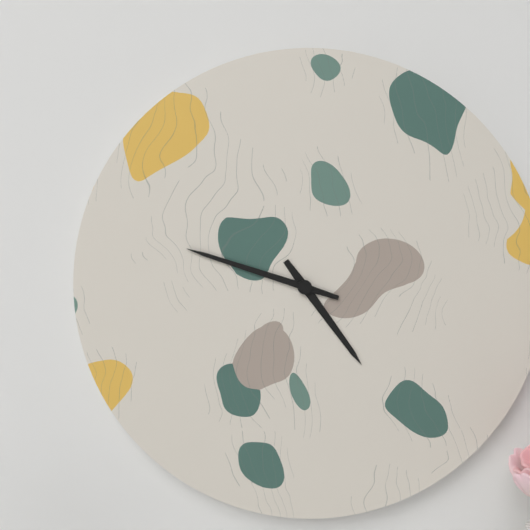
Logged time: **4:48**
